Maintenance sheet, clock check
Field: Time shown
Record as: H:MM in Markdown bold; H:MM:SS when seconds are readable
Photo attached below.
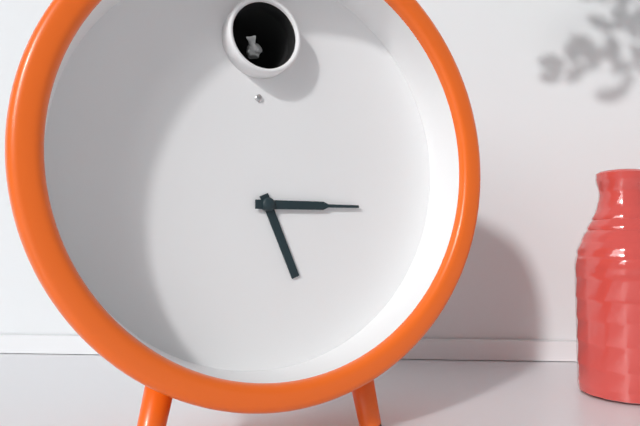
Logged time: **5:15**
